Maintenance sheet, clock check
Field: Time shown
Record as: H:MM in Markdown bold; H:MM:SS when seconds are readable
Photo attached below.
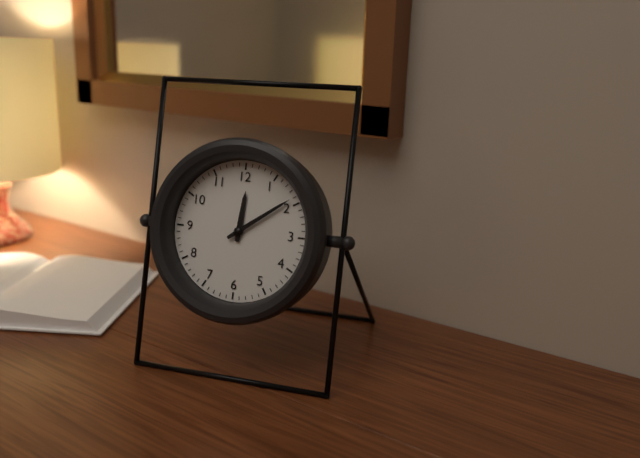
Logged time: **12:09**
